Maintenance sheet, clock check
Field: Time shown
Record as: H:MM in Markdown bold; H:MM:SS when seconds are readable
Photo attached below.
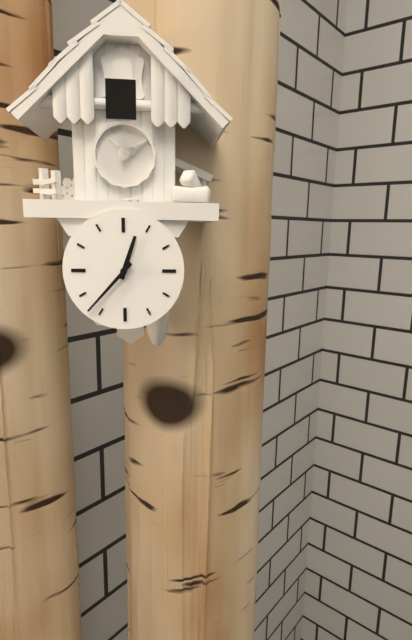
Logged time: **12:37**
